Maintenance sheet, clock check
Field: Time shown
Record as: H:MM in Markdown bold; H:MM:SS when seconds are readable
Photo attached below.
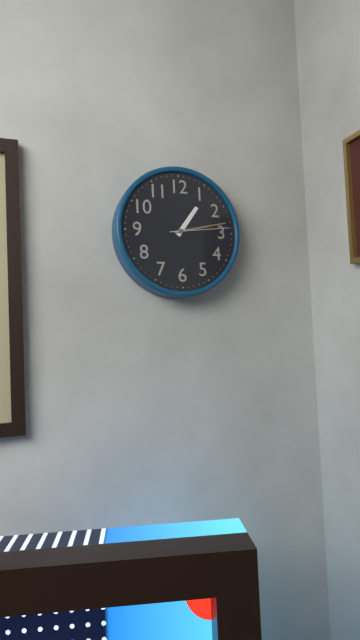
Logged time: **1:13:14**
